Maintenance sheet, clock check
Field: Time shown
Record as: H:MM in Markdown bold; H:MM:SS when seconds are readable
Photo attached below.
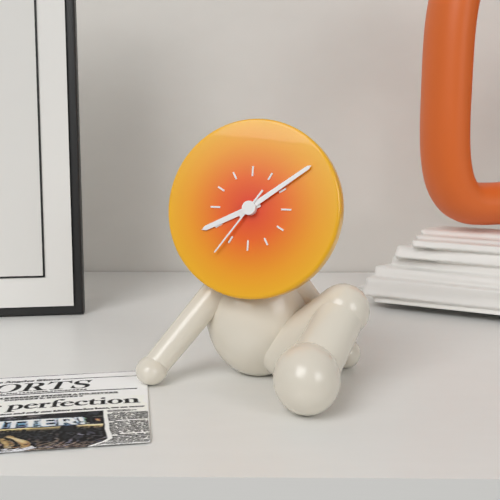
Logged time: **8:09:36**
